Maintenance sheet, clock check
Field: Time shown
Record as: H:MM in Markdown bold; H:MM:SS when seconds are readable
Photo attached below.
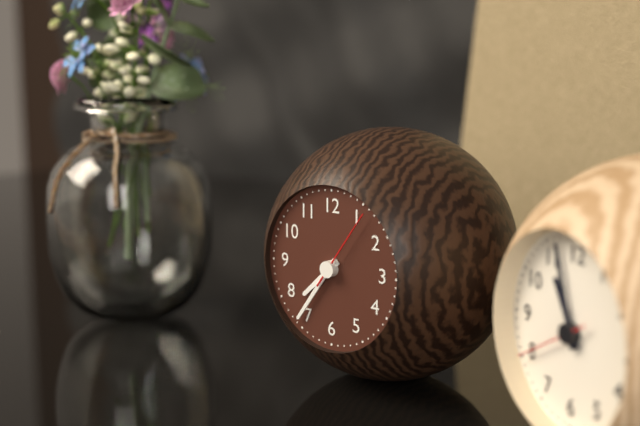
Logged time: **7:36:06**
